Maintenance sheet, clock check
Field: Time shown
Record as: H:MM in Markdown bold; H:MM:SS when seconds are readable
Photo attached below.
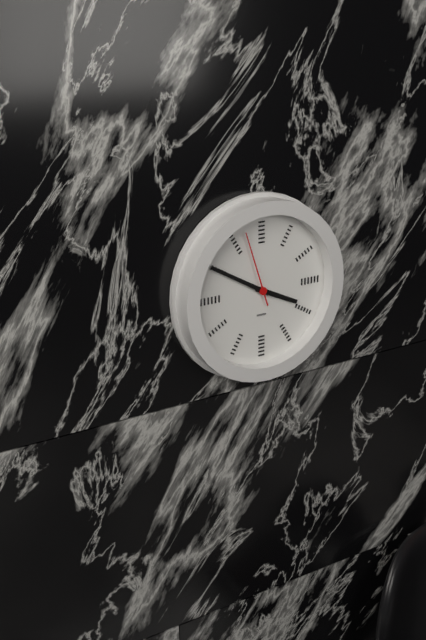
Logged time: **3:50:57**
